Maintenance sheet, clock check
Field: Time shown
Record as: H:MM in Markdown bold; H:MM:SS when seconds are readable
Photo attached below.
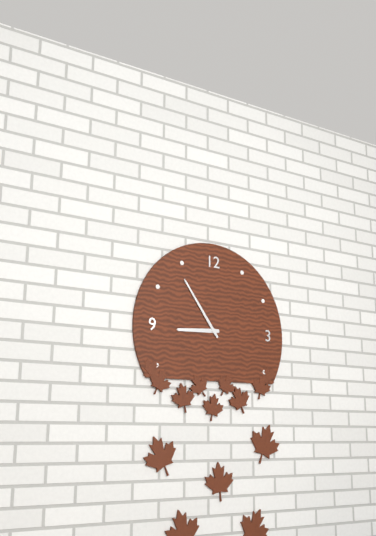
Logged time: **8:54**
